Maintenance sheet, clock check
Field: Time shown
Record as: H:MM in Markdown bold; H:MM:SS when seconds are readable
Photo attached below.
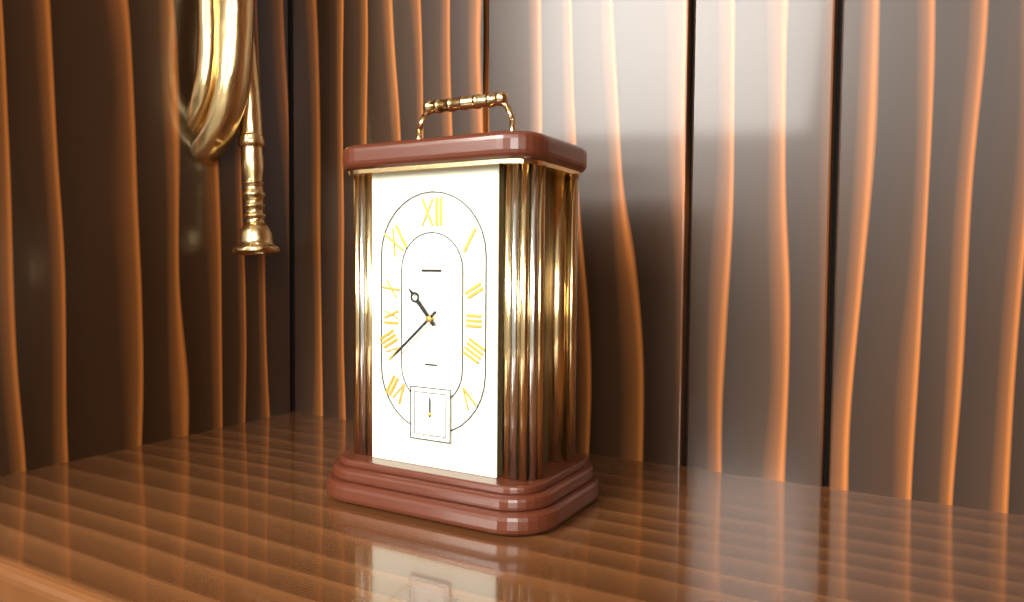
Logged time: **10:38**
